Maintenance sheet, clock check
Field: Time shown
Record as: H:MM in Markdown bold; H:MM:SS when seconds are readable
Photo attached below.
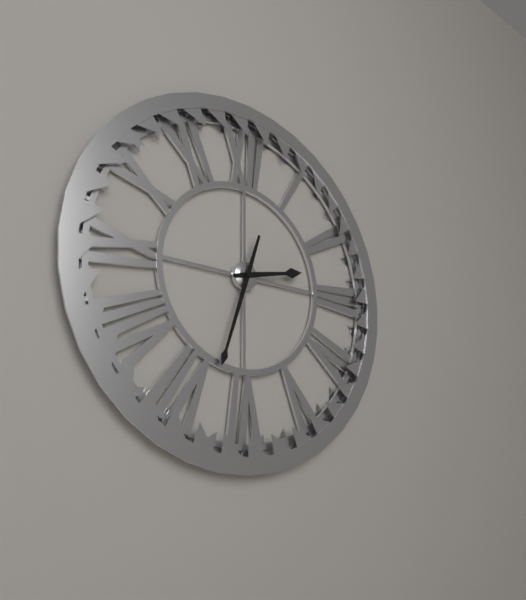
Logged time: **2:33**
